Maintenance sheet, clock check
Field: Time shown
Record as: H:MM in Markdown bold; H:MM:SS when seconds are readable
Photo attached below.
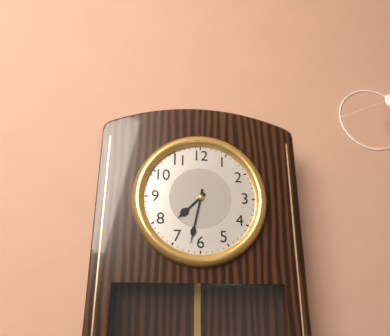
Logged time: **7:32**
